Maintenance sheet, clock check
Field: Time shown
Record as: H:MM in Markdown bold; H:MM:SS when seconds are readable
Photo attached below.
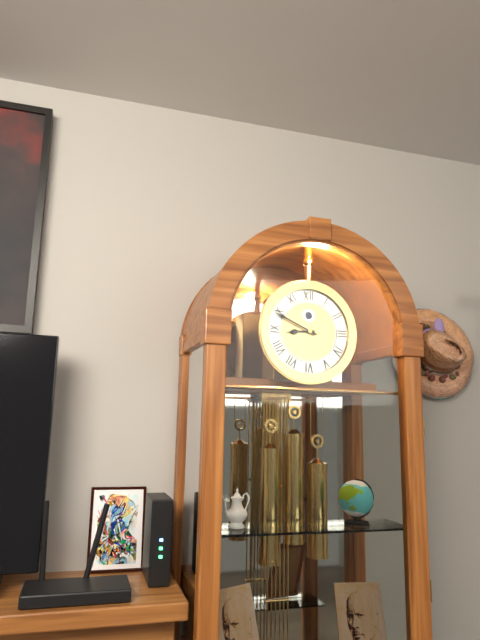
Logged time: **8:49**
